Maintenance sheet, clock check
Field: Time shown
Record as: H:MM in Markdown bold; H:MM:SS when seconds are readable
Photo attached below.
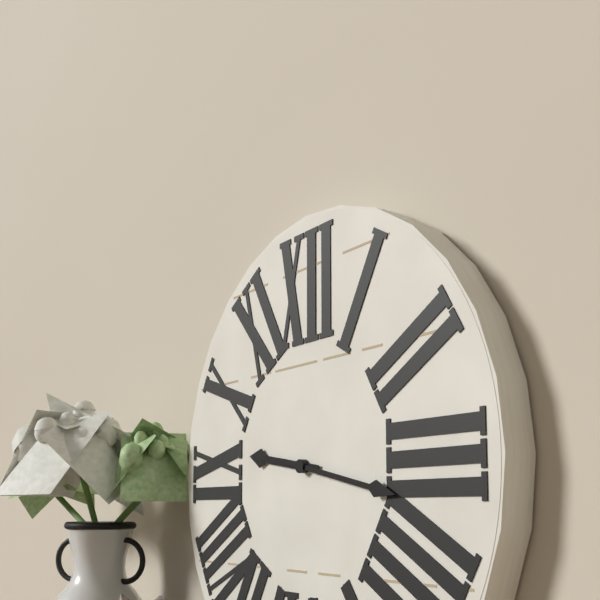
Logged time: **9:17**
